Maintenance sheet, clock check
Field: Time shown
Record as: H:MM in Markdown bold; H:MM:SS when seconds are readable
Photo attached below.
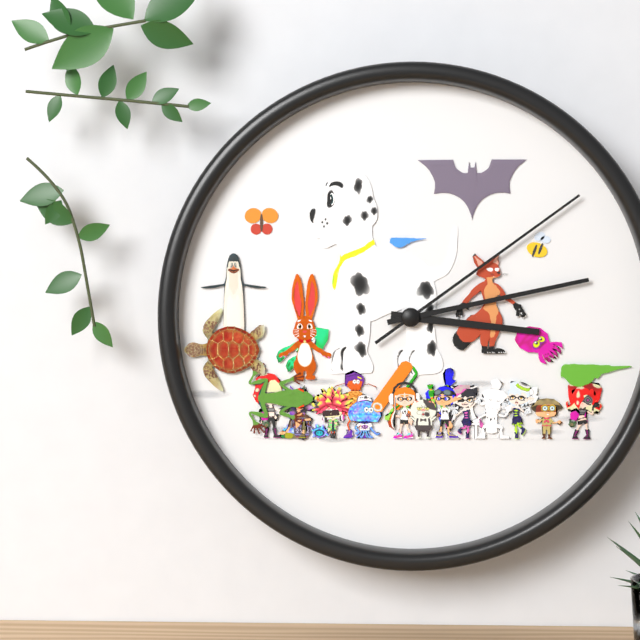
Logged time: **3:13:09**
